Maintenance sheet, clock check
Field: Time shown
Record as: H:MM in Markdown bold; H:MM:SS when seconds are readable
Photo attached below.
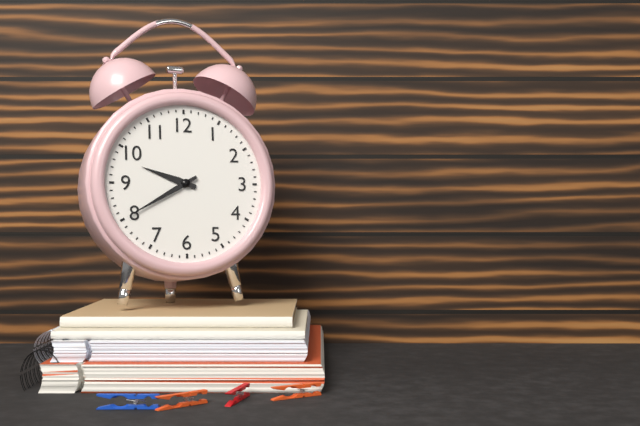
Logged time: **9:40**
